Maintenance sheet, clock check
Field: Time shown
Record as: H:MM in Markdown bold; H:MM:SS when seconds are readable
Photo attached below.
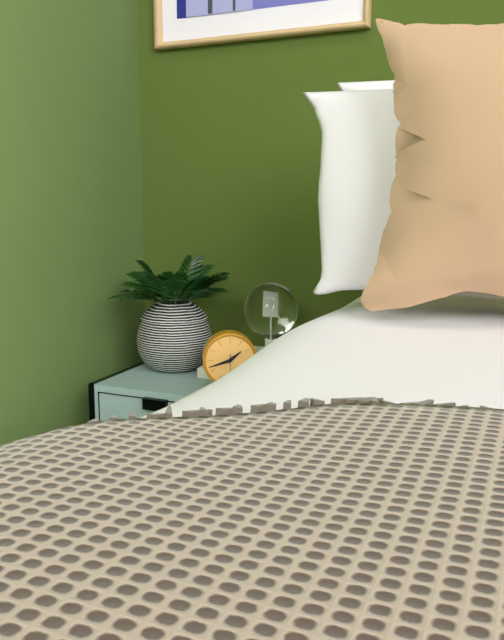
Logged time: **1:42**
